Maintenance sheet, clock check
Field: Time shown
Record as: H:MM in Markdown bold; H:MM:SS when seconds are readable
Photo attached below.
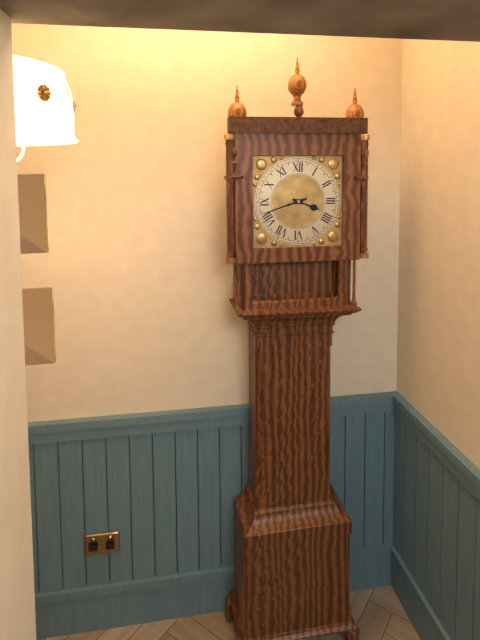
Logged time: **3:42**
